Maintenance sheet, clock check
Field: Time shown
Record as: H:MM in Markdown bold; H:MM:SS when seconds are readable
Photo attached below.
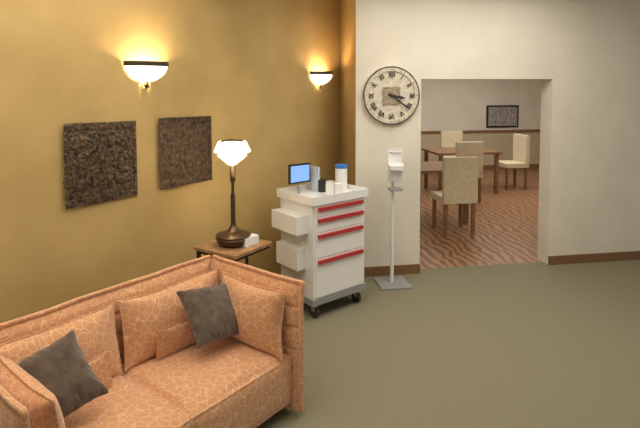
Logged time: **3:21**
